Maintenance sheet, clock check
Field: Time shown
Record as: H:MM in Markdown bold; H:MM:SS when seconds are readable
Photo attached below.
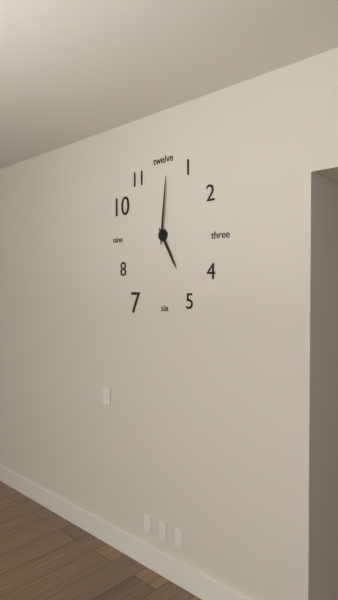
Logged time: **5:01**
